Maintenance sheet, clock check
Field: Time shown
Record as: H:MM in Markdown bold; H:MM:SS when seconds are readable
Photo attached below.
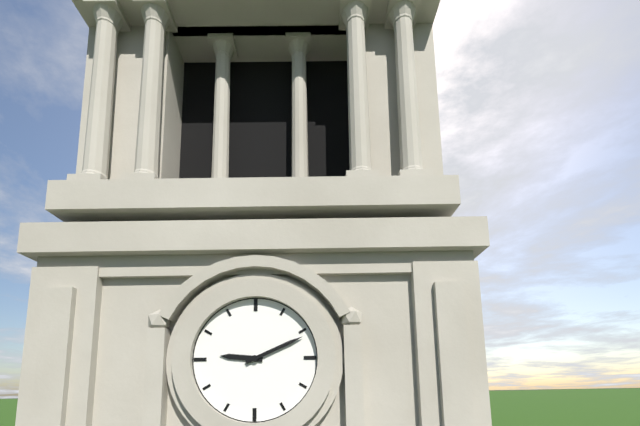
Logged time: **9:11**
